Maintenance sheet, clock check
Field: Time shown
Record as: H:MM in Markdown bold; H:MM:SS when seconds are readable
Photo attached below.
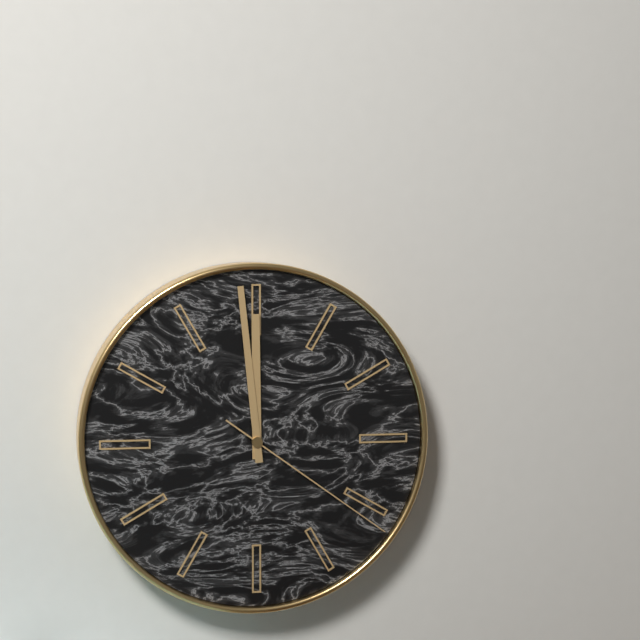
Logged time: **11:59:21**
